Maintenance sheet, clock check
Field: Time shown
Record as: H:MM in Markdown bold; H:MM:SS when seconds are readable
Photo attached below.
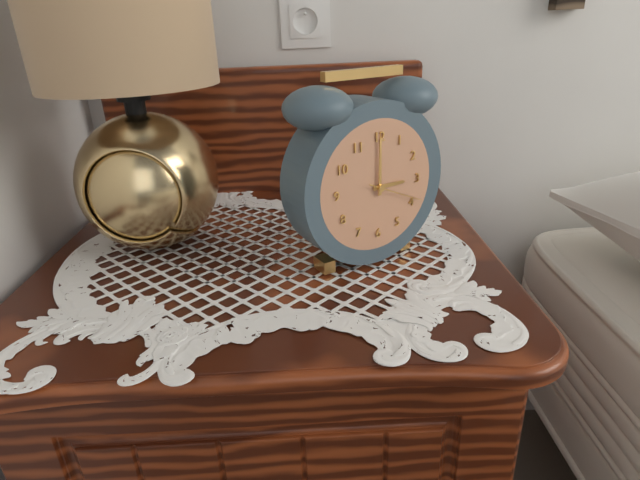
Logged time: **3:00:19**
